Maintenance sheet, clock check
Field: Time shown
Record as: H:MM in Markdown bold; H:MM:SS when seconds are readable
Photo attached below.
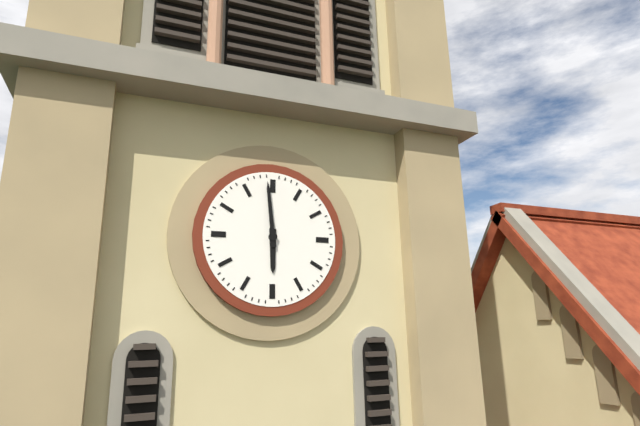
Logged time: **5:59**
